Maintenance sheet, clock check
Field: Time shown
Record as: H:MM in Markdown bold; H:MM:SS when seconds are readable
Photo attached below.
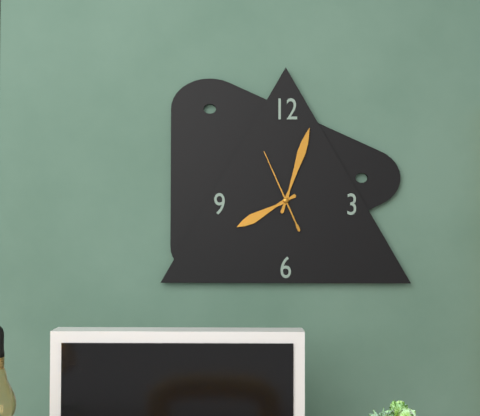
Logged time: **8:03:56**
